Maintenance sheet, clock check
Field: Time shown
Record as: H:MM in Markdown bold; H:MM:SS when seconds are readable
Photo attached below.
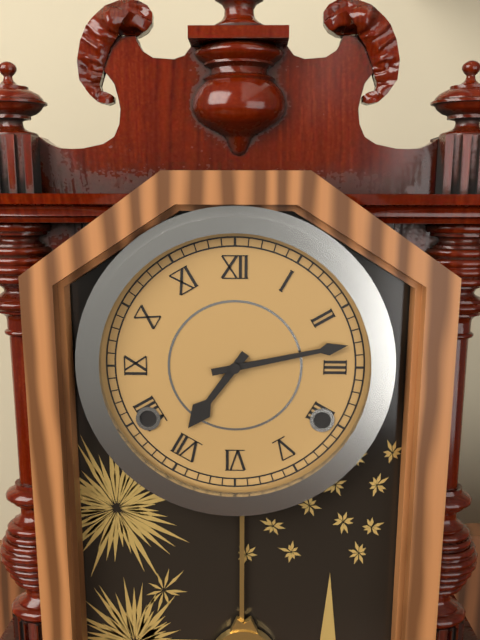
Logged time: **7:13**
